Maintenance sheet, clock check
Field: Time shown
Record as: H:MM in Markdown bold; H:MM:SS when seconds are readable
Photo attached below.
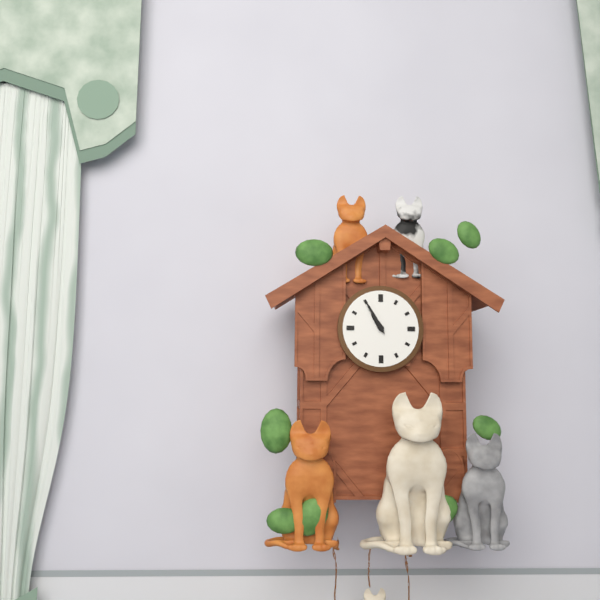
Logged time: **10:55**
